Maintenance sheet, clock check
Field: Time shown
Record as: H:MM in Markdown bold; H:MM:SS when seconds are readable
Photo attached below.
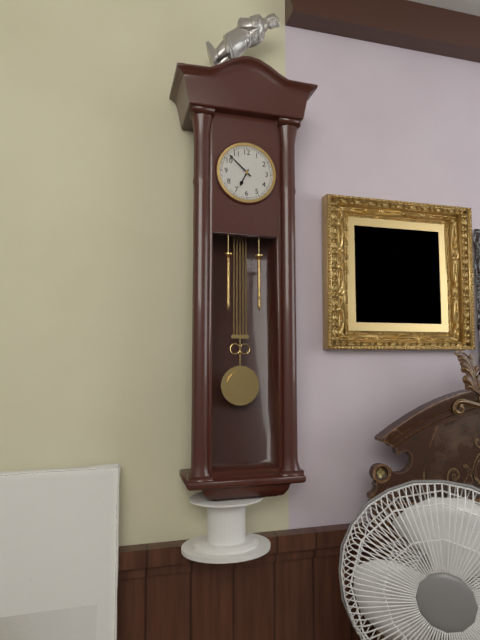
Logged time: **6:52**
